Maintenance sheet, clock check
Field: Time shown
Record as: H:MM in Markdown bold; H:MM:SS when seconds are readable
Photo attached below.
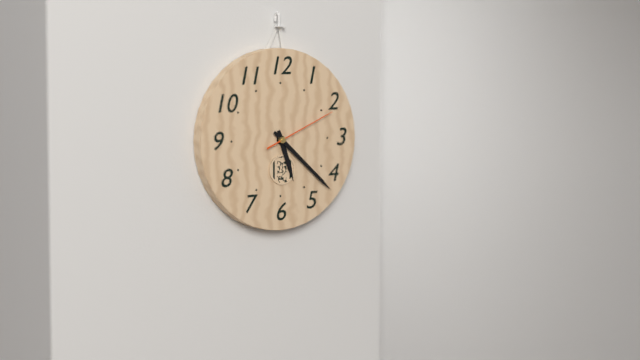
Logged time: **5:22:11**
